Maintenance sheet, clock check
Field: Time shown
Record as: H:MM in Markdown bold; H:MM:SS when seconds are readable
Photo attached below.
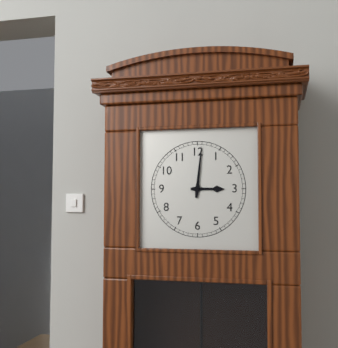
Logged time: **3:01**
